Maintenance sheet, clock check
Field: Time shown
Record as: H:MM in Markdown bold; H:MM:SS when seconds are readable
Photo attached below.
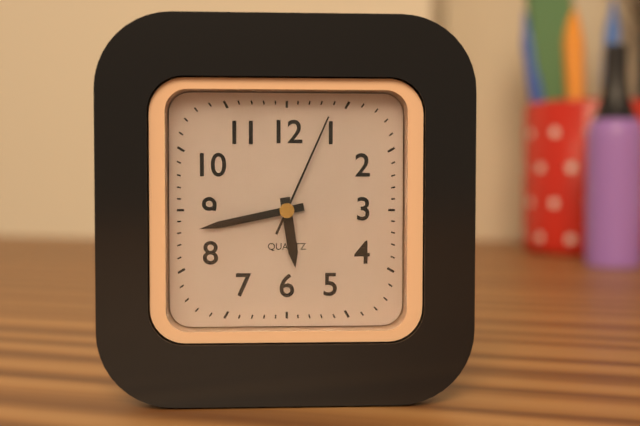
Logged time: **5:43:04**
